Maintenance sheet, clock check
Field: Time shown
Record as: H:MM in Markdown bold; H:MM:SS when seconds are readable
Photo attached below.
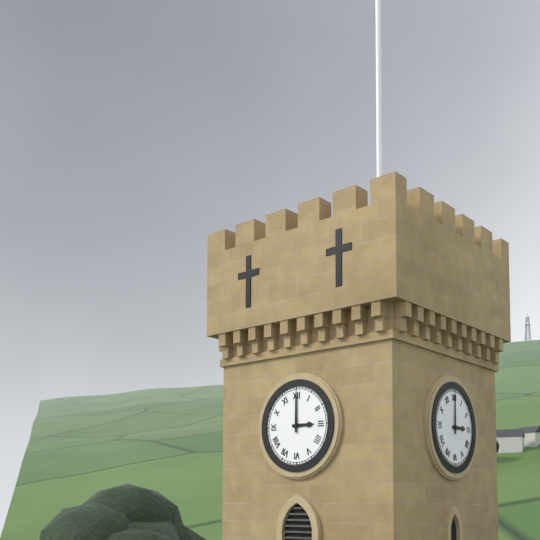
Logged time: **3:00**
